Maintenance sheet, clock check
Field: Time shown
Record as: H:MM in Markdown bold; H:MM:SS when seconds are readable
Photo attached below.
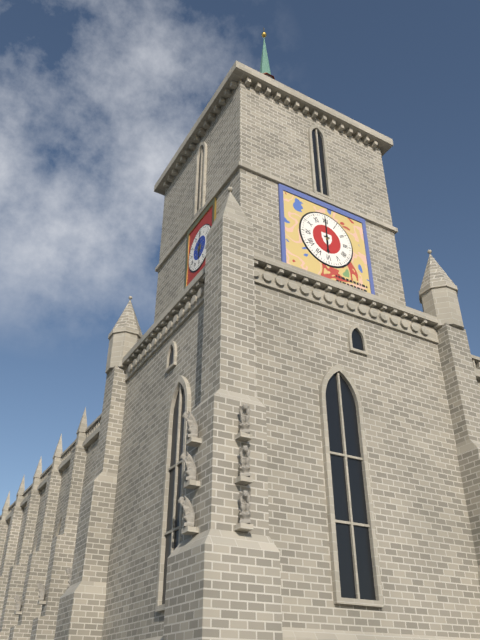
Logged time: **6:00**
